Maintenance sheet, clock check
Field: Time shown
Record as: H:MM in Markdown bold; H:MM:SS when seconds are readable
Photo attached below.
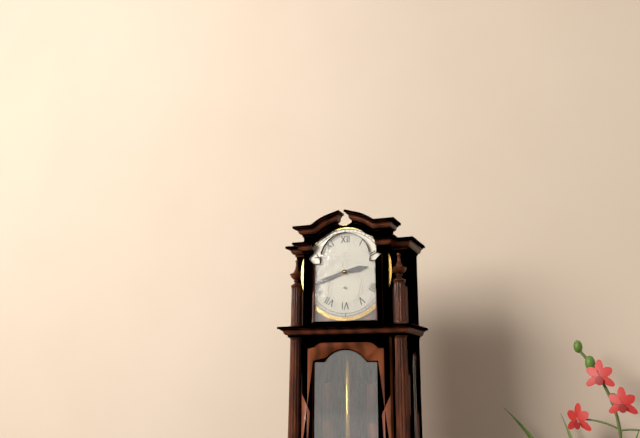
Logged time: **2:42**
